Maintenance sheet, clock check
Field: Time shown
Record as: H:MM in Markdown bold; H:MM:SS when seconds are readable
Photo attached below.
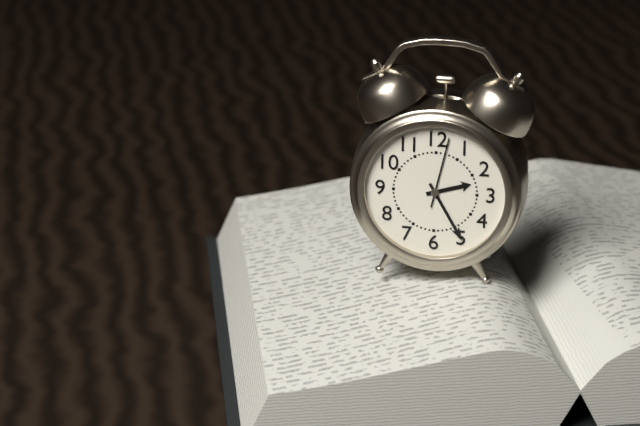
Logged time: **2:25:02**
